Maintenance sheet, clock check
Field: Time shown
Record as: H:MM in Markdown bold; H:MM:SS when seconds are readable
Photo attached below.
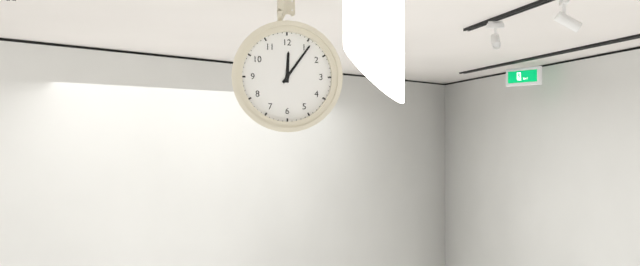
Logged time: **12:06**
